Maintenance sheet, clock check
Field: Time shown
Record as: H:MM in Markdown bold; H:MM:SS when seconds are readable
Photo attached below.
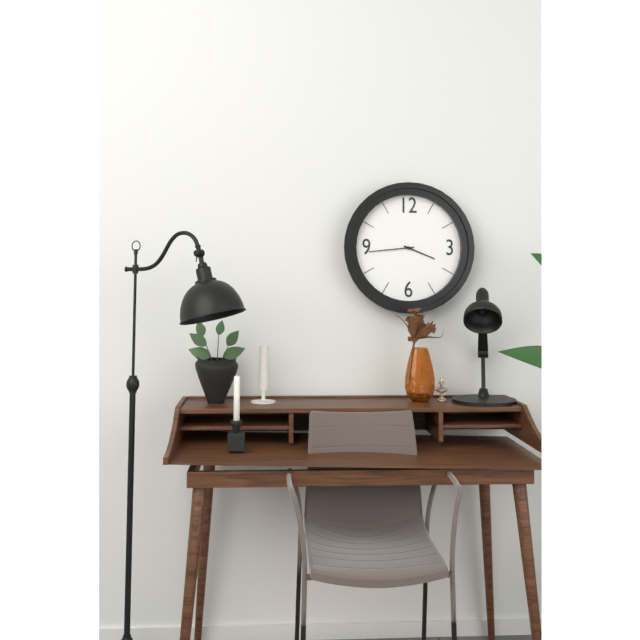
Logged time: **3:44**
